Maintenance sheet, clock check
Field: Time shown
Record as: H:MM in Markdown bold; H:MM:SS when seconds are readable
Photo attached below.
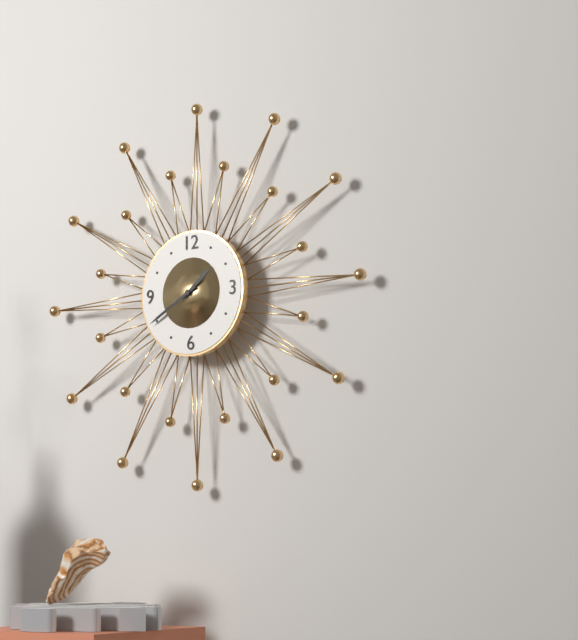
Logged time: **1:40**
